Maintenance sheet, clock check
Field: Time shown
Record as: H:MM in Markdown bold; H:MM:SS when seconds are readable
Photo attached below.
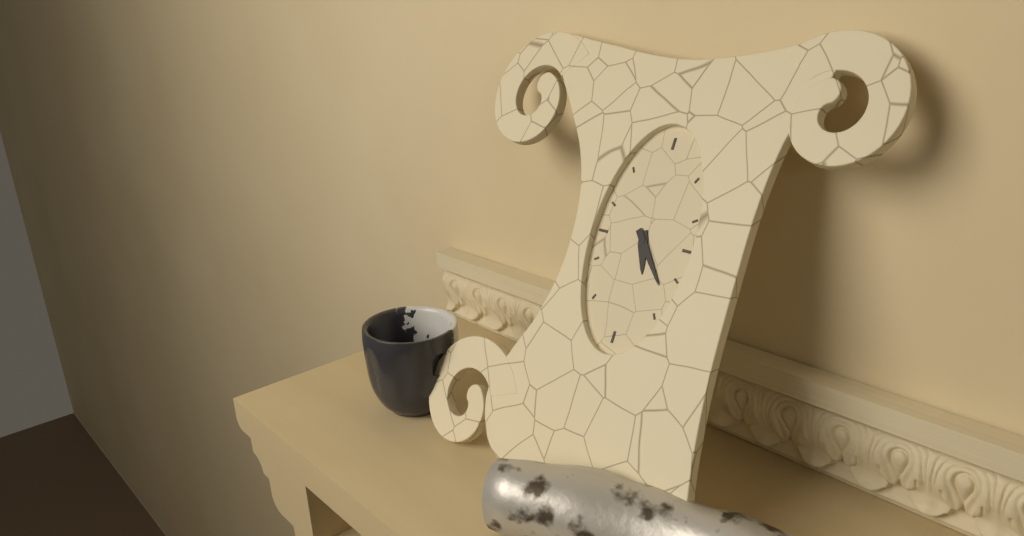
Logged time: **5:23**
